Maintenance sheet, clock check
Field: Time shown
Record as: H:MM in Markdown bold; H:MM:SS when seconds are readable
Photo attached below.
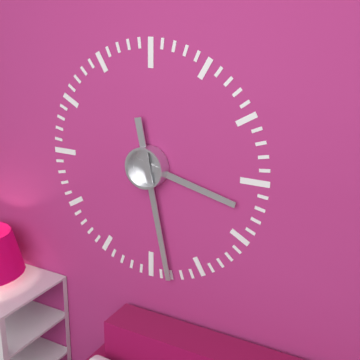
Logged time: **3:28**
